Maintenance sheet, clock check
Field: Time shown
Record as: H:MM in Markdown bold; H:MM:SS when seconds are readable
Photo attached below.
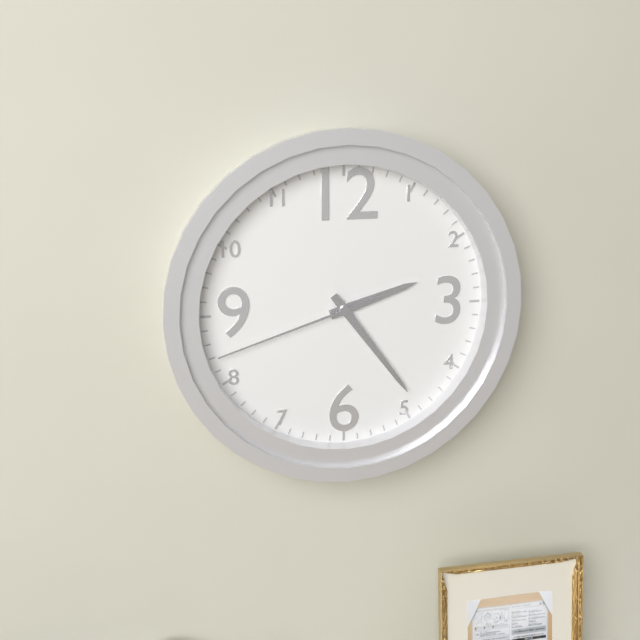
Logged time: **2:24:42**
